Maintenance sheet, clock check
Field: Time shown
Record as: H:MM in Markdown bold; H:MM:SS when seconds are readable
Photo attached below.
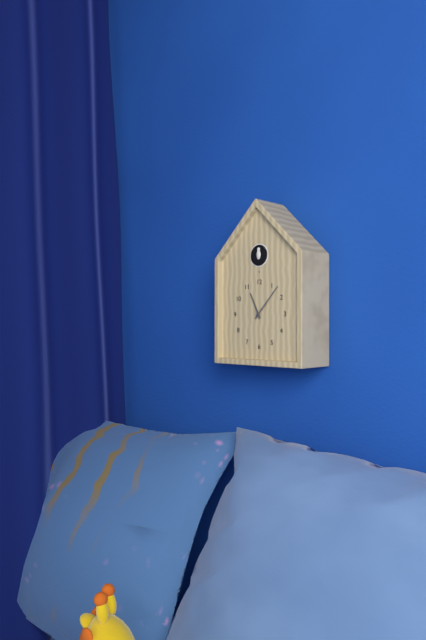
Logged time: **11:07**
